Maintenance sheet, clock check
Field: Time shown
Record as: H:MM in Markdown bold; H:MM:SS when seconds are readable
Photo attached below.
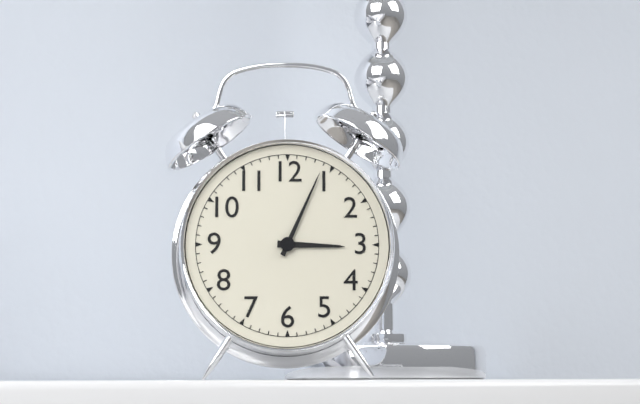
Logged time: **3:04**
